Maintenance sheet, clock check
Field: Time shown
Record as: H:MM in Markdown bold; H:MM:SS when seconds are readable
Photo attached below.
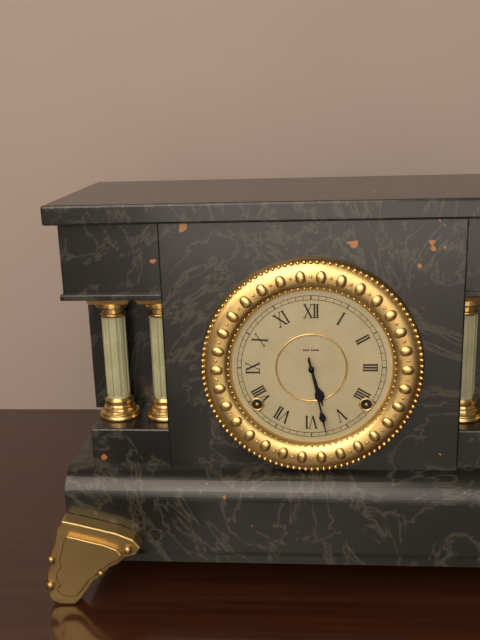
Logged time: **5:28**
